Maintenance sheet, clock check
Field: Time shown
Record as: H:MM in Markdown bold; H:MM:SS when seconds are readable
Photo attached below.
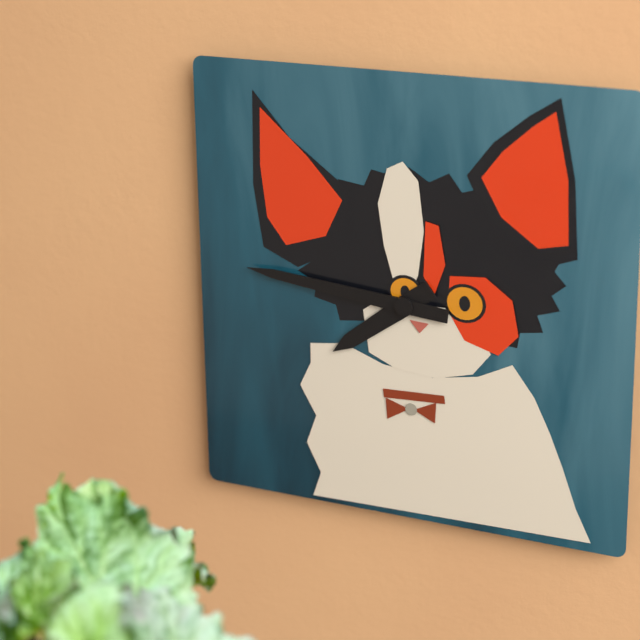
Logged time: **7:46**
